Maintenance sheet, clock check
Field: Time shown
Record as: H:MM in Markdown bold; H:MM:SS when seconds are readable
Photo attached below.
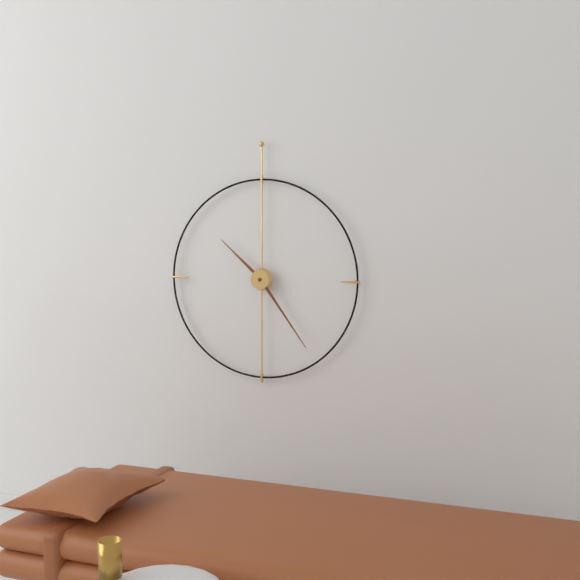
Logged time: **10:24**
